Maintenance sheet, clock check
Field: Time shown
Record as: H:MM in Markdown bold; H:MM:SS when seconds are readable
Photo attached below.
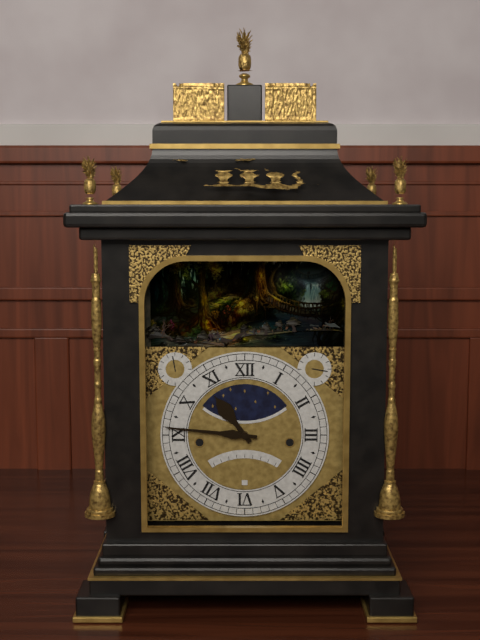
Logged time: **10:46**
